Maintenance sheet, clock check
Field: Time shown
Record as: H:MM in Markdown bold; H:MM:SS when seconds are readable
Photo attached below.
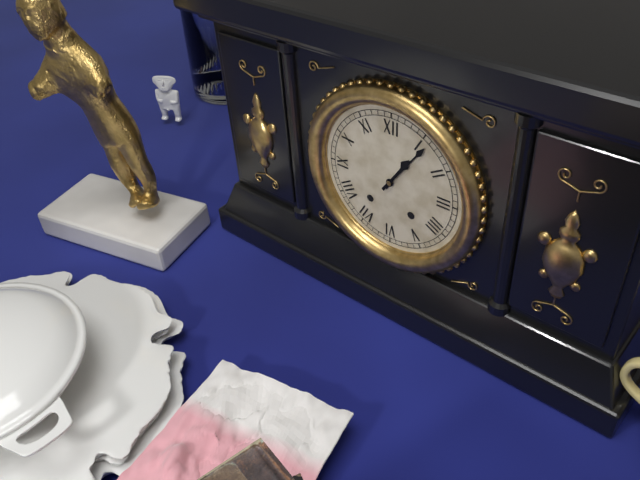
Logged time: **1:06**
